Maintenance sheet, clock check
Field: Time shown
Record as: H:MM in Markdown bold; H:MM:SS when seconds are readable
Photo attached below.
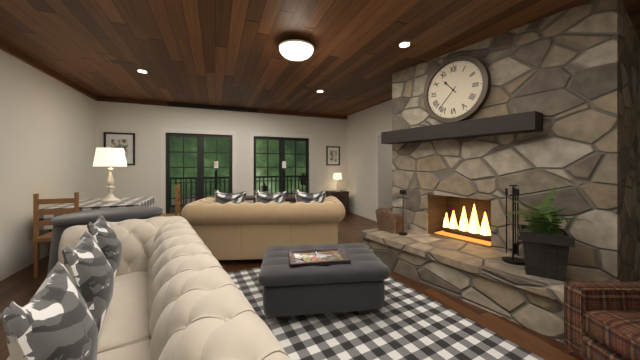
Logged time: **10:37**
